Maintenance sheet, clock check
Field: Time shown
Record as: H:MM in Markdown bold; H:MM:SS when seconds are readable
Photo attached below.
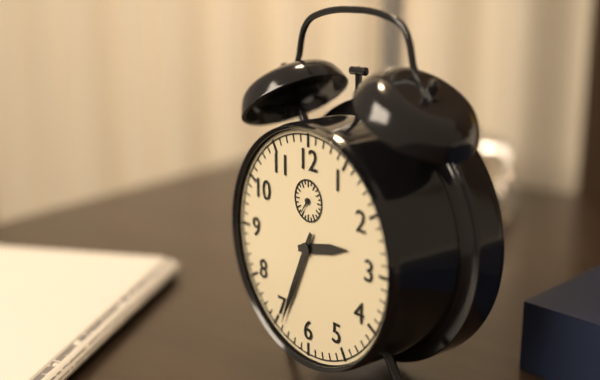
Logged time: **2:34**
